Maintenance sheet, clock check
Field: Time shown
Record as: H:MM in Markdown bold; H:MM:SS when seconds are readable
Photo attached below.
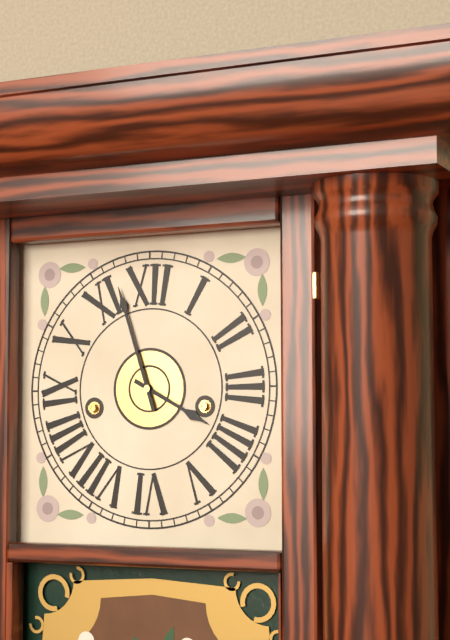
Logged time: **3:57**
